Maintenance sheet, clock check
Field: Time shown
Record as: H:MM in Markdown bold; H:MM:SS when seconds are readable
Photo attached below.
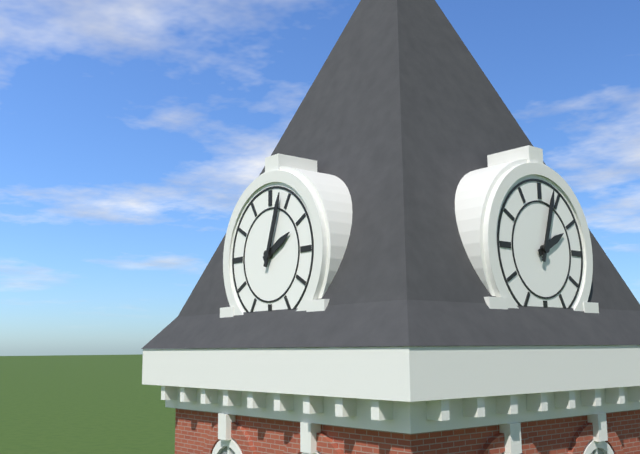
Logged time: **2:03**
